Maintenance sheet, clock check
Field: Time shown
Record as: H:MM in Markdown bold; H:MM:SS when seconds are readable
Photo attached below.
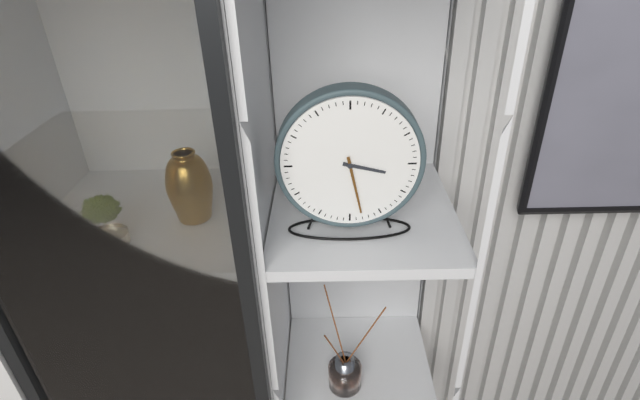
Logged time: **3:28**
